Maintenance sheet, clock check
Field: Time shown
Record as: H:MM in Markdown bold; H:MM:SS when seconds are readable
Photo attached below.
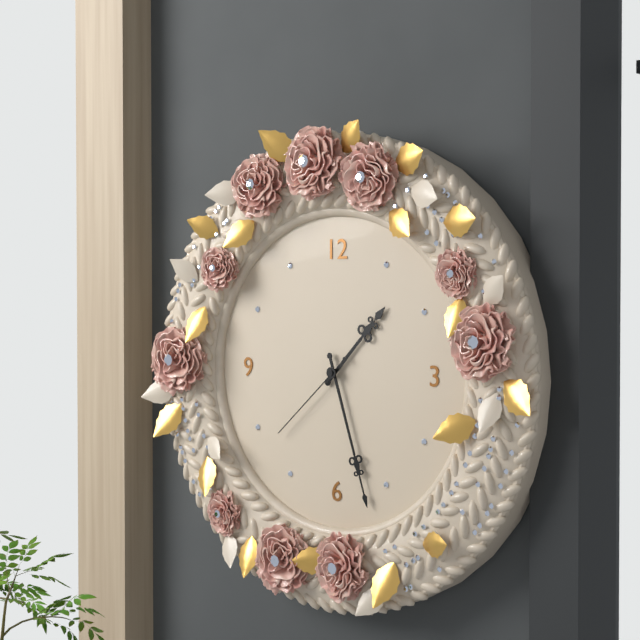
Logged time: **1:27:38**
